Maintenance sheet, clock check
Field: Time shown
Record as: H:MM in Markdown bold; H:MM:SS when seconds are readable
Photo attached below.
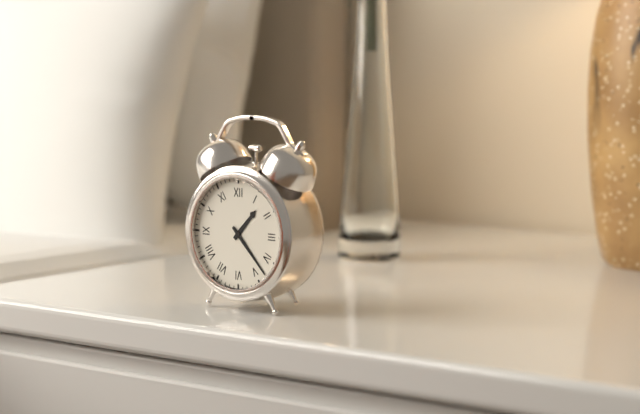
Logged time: **1:23**
